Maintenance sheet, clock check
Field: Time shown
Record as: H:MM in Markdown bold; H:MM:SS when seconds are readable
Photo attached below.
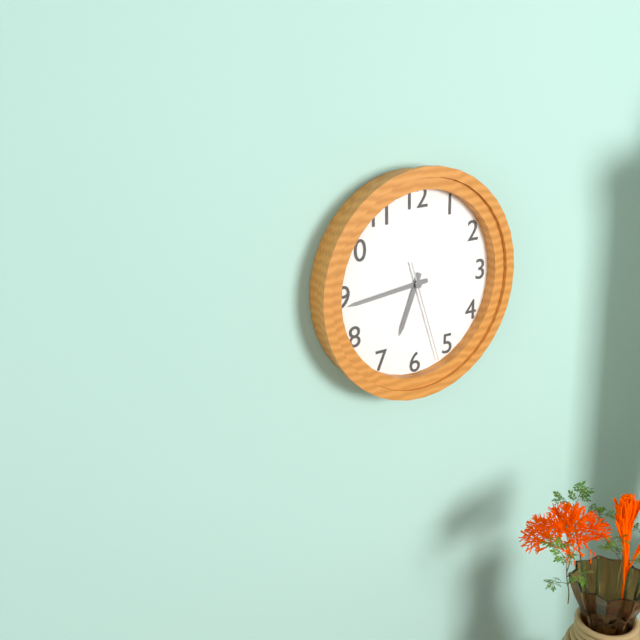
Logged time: **6:44:27**
